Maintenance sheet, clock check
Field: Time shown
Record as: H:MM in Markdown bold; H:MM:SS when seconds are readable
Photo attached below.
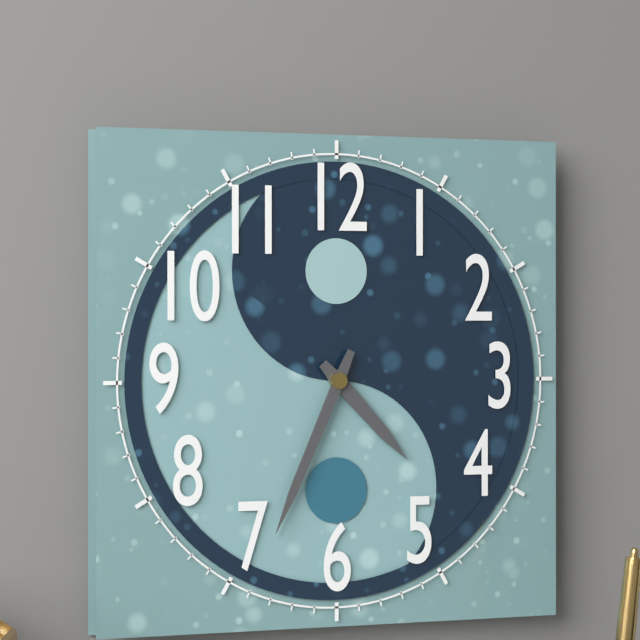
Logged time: **4:34**
